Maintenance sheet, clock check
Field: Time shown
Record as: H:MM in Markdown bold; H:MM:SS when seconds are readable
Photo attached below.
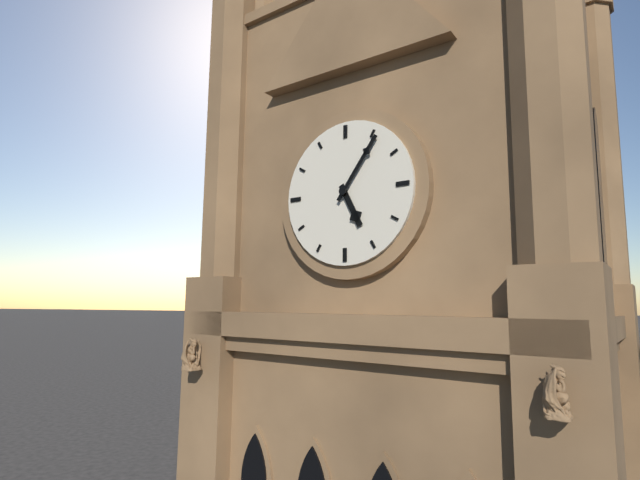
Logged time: **5:06**
